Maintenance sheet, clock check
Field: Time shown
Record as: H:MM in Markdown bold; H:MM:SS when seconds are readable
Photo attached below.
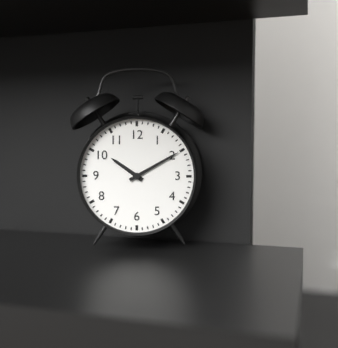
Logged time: **10:10**
